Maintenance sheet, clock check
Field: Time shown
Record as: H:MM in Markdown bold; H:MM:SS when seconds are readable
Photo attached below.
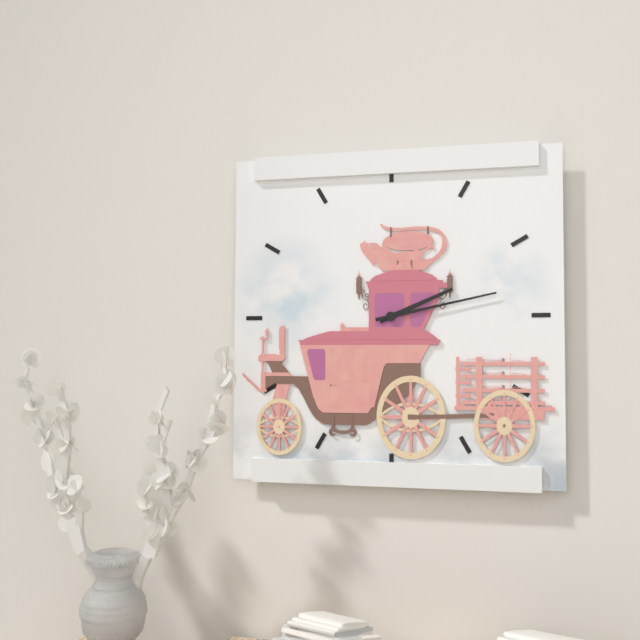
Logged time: **2:13**
